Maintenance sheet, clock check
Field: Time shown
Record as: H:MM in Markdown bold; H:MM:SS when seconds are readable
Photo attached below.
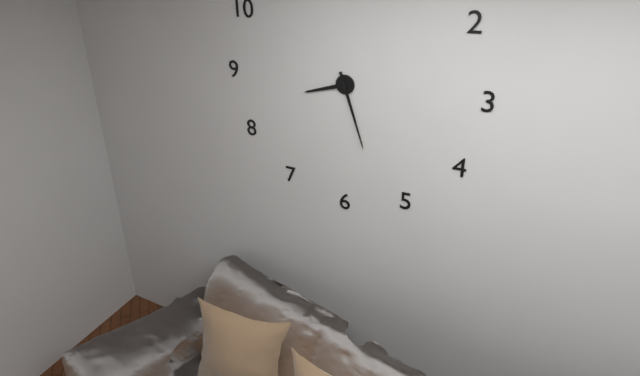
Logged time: **8:27**
